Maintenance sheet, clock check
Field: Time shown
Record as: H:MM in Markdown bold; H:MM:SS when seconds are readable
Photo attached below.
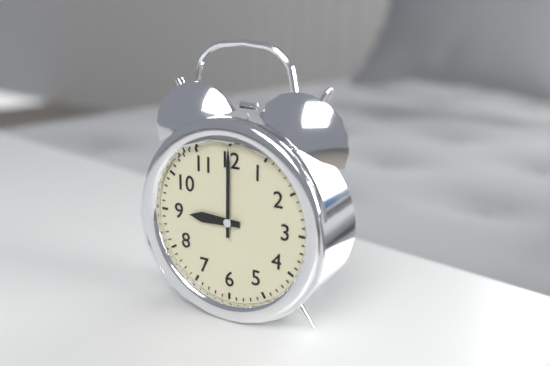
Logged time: **9:00**
